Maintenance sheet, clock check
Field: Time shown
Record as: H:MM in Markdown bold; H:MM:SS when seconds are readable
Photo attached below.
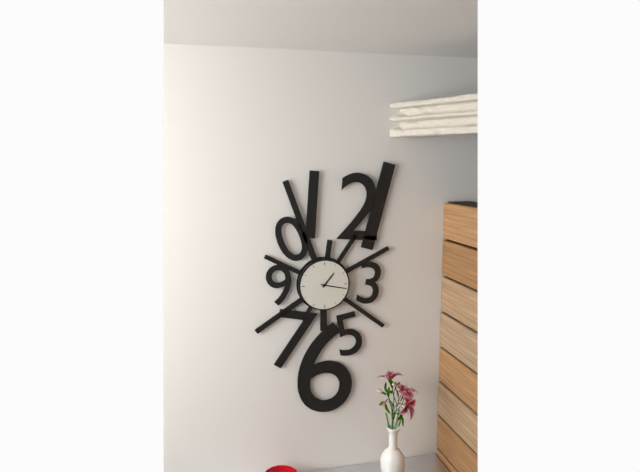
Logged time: **1:17**
